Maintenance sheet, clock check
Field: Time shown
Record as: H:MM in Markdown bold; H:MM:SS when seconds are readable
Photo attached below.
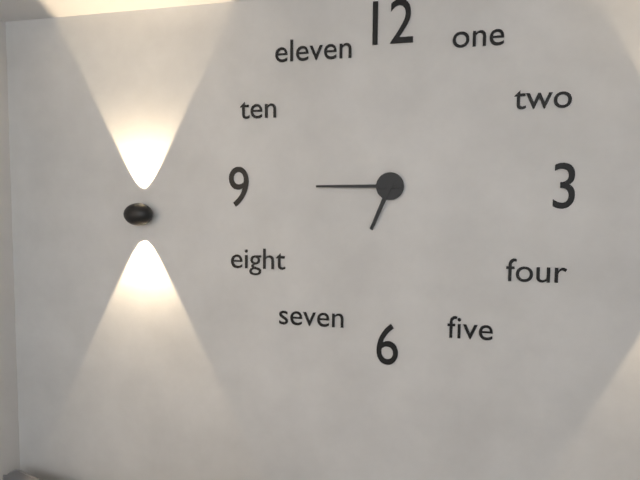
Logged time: **6:45**
